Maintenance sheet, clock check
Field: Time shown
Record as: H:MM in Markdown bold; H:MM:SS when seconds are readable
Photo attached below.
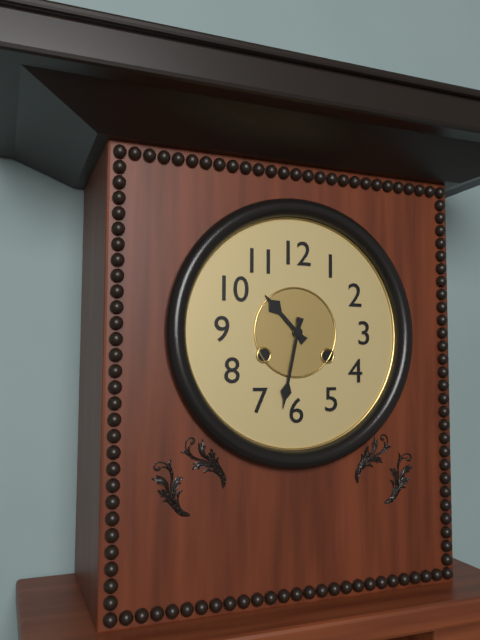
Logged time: **10:32**
